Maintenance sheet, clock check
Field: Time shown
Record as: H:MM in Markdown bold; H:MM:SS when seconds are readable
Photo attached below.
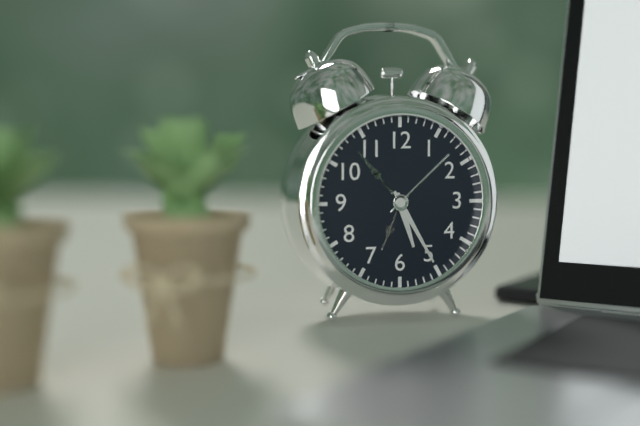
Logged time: **5:25**
